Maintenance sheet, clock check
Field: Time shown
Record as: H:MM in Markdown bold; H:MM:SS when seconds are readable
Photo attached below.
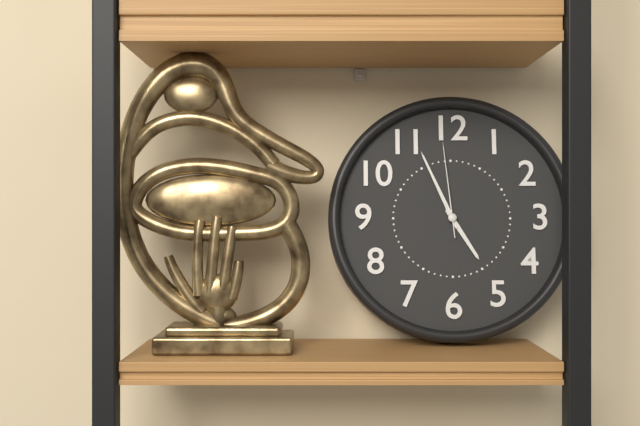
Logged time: **4:56:59**
